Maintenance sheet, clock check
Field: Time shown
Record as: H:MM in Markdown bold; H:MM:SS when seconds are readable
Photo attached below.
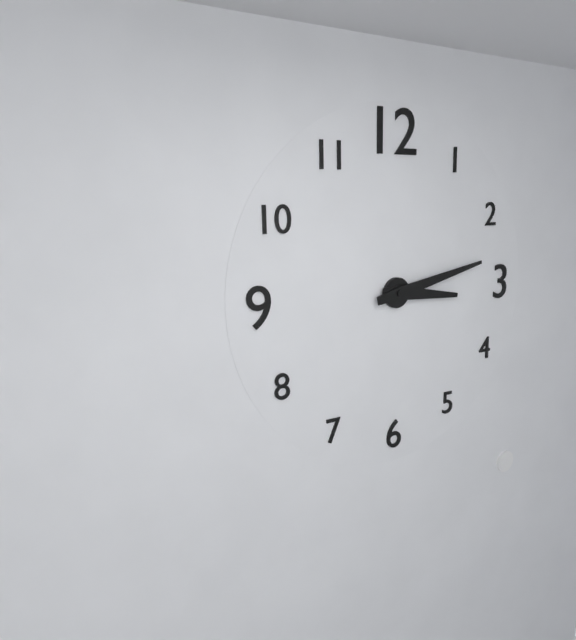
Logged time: **3:13**
